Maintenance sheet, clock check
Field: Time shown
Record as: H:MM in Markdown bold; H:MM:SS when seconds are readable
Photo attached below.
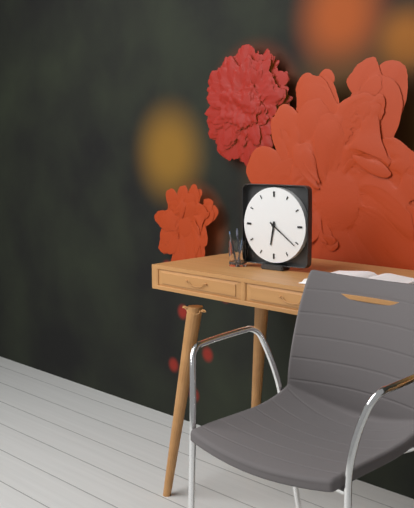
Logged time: **6:21**
